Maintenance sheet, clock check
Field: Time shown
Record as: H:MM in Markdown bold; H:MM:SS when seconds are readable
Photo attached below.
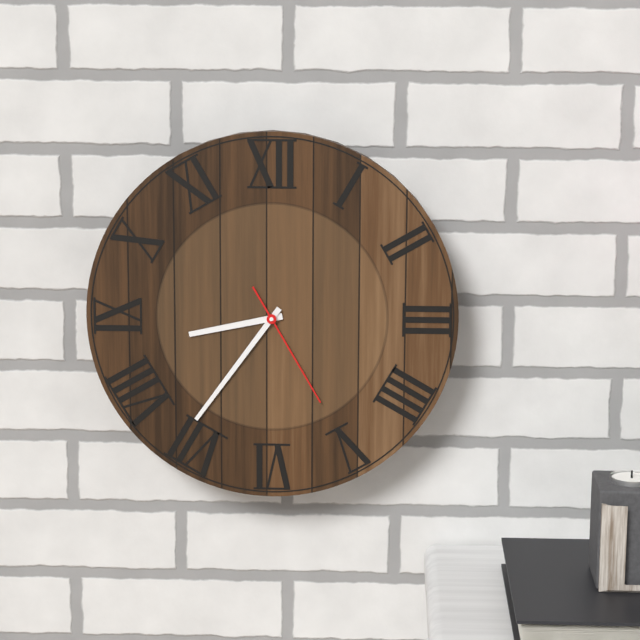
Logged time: **8:36:25**
